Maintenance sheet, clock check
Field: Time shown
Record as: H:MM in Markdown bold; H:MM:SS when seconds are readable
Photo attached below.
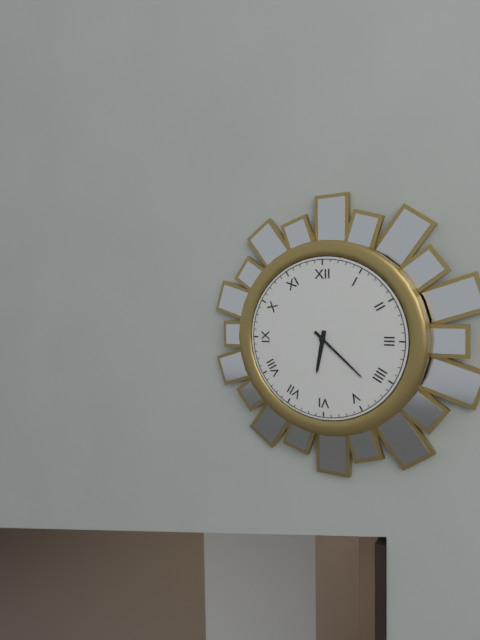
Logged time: **6:22**
